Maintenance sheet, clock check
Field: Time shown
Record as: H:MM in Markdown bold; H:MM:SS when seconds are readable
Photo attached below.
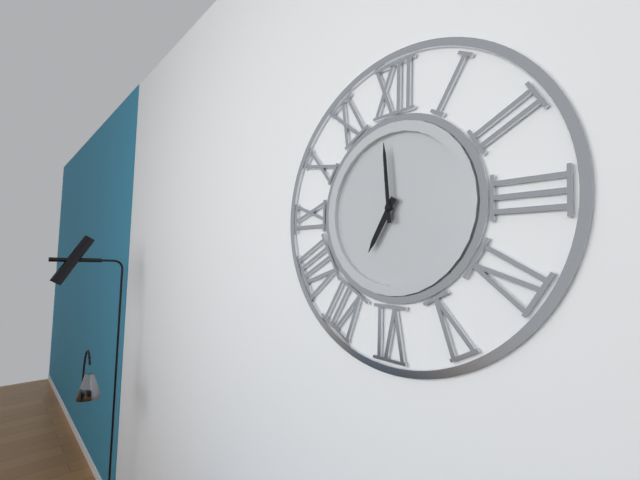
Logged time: **6:59**
